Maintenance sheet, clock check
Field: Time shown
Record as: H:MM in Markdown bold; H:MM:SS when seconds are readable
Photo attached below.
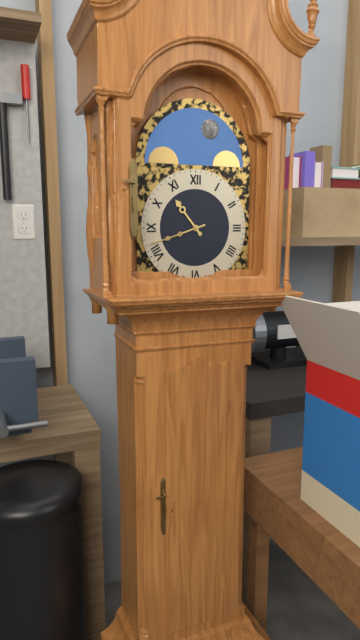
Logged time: **10:42**
